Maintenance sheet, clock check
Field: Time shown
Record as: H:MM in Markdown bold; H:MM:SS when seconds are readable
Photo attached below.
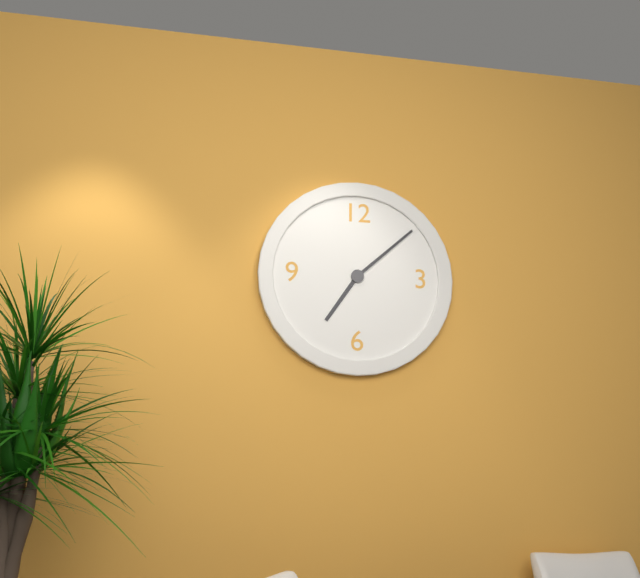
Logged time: **7:08**
